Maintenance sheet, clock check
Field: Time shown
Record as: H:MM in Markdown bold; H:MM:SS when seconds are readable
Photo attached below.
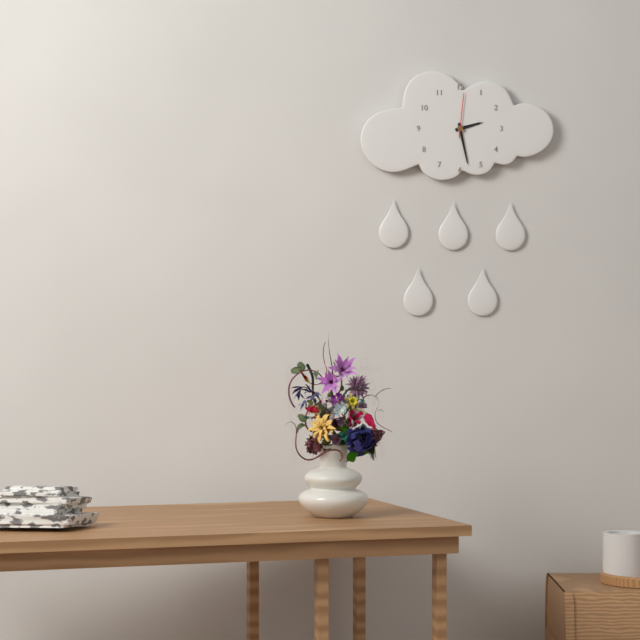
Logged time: **2:28**
